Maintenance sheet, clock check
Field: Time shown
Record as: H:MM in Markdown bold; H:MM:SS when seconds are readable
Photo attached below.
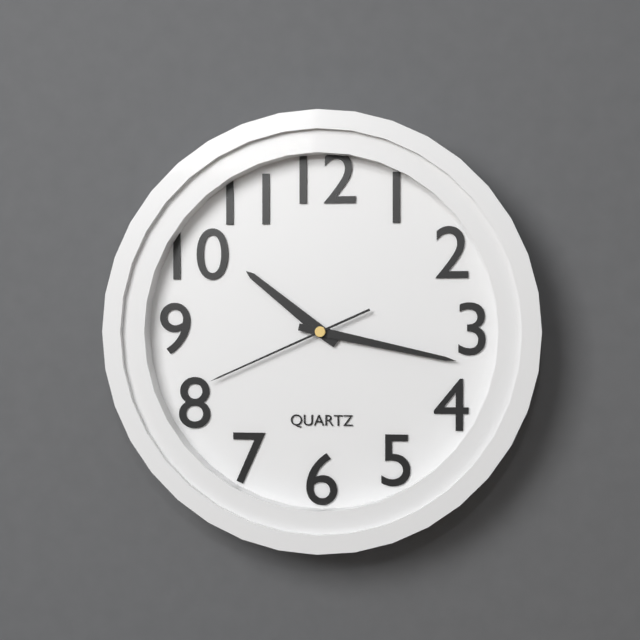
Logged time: **10:17:41**
